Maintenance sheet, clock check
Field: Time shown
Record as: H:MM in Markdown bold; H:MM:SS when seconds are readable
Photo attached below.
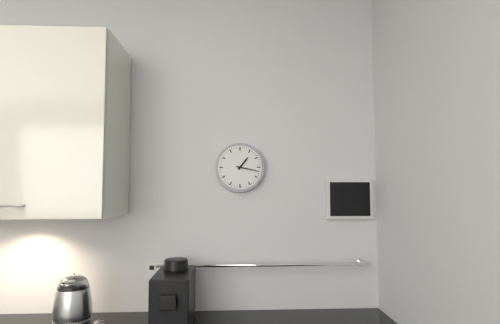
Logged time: **1:17**
